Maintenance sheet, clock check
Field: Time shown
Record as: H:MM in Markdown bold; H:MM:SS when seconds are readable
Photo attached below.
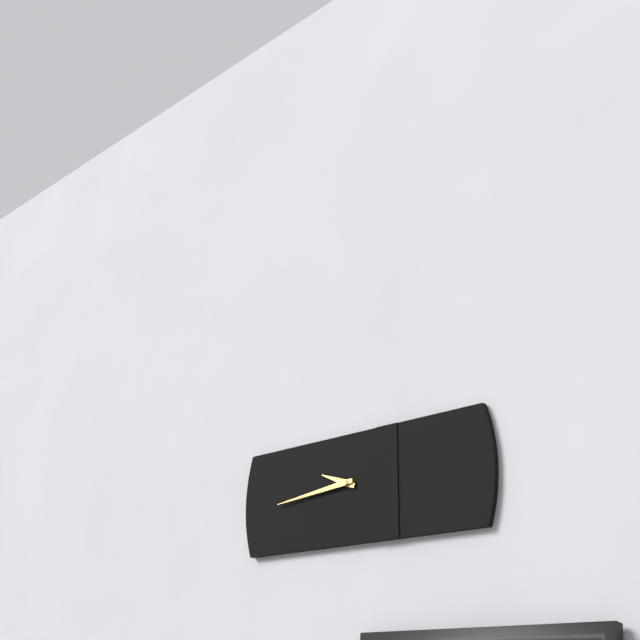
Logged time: **9:44**
